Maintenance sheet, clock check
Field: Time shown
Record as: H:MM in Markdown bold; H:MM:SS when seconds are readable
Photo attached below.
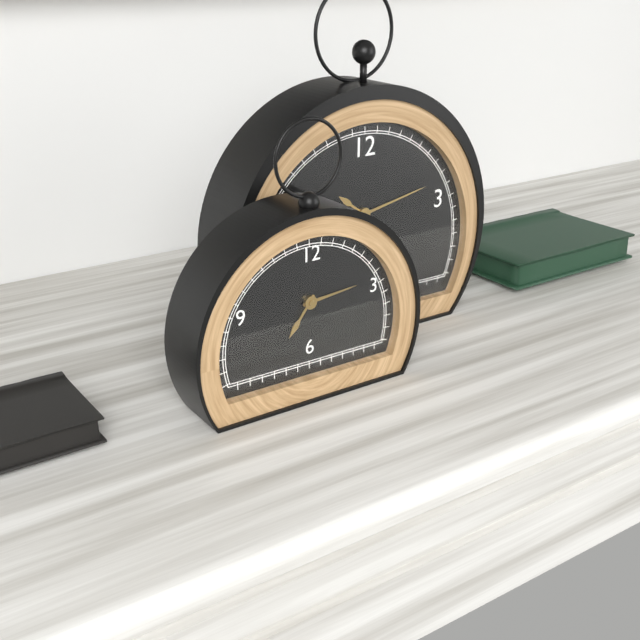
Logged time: **7:14**
